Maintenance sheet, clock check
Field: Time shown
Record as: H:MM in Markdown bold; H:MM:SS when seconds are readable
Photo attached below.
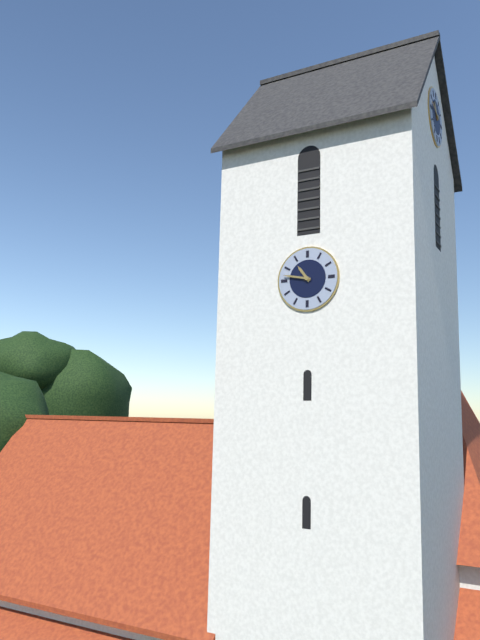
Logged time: **10:47**
